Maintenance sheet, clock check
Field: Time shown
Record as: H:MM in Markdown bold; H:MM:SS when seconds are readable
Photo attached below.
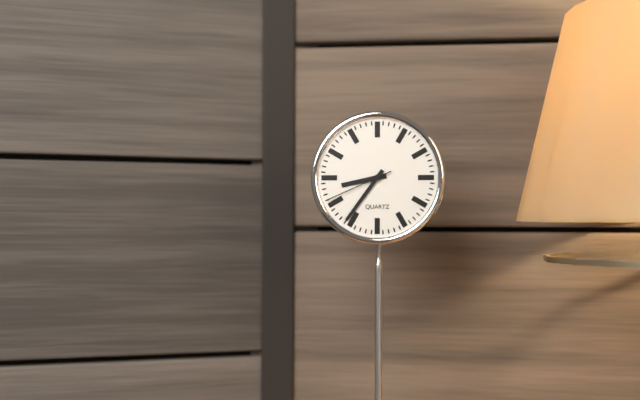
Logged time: **8:36:41**
